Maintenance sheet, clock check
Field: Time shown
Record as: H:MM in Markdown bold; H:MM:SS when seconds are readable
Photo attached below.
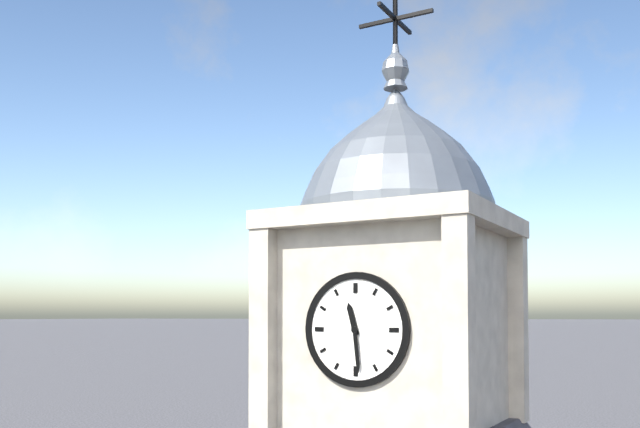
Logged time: **11:29**
